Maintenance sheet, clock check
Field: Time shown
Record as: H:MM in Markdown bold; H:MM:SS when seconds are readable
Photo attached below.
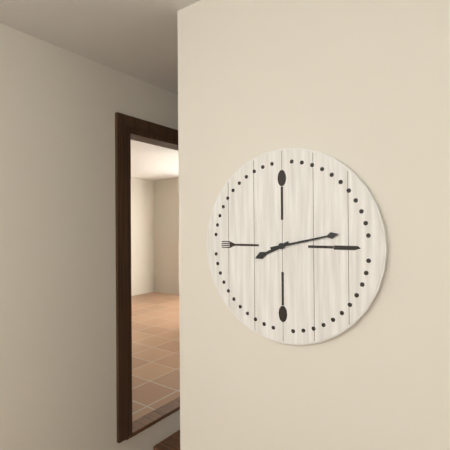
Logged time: **8:13**
